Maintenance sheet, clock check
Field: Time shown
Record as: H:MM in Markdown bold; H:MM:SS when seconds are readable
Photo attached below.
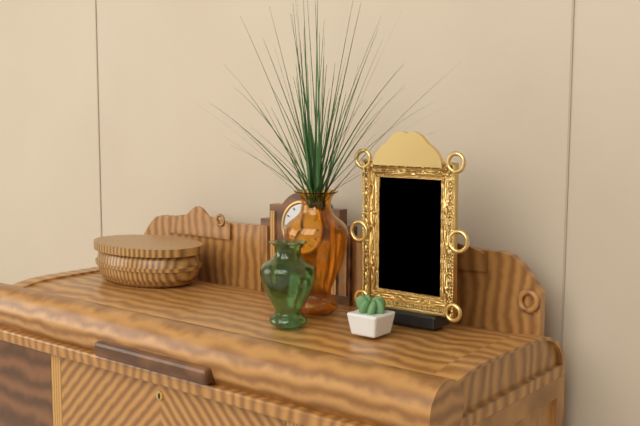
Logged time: **11:37**
